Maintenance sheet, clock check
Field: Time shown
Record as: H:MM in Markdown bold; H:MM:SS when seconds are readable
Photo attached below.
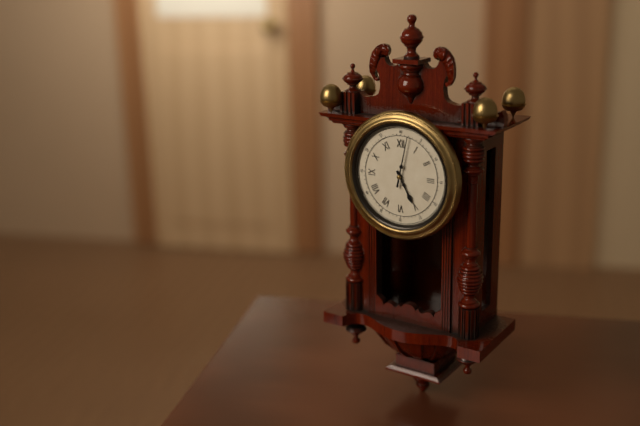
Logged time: **5:02**
